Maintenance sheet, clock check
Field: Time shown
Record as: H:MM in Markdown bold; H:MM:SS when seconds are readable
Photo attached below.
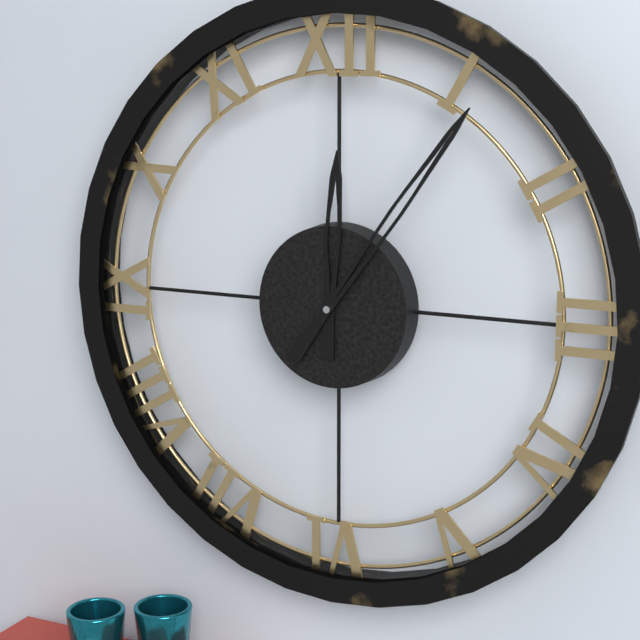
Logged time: **12:06**
